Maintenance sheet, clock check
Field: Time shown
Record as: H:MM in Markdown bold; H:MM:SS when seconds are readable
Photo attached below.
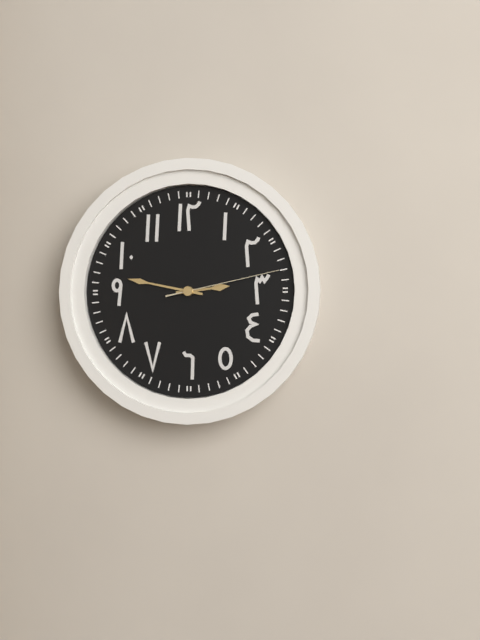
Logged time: **2:47:13**
